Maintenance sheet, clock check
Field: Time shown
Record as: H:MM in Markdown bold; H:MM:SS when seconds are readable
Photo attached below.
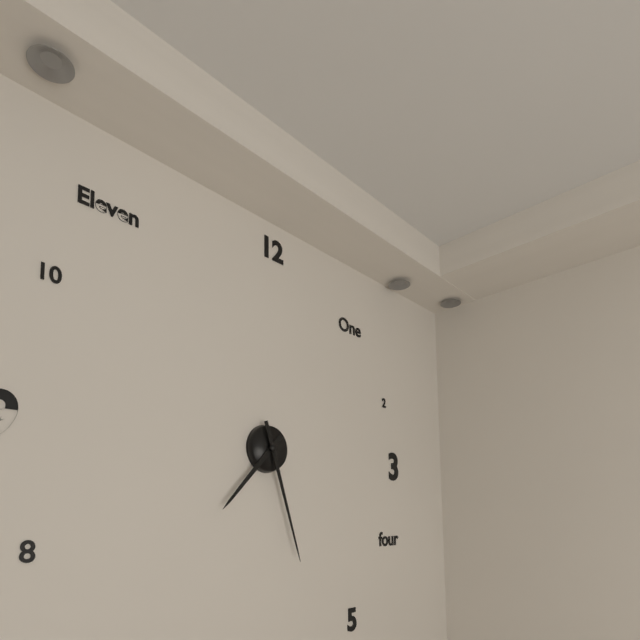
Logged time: **7:27**
